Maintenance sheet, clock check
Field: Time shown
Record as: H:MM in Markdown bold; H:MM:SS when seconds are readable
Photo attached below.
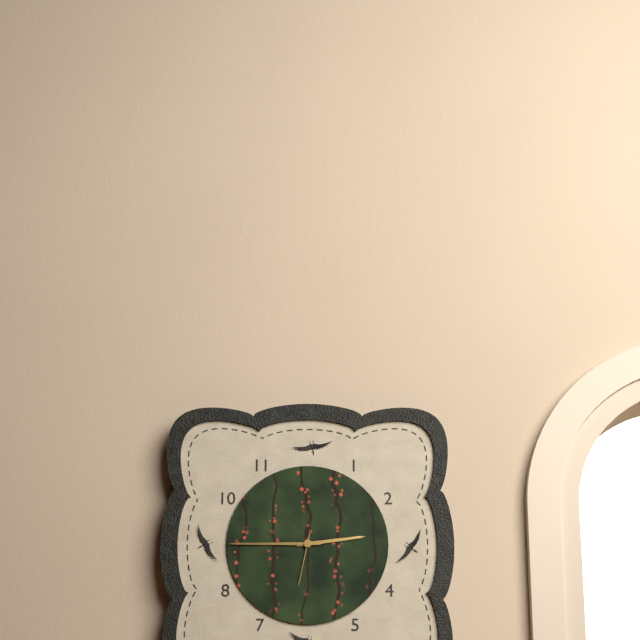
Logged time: **2:45:32**
